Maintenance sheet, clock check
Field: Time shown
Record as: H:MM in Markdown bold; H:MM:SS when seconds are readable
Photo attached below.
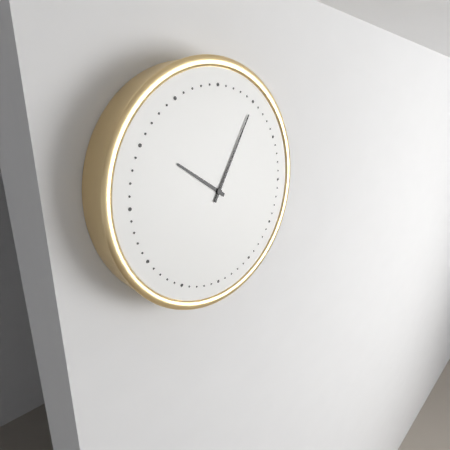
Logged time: **10:05**
